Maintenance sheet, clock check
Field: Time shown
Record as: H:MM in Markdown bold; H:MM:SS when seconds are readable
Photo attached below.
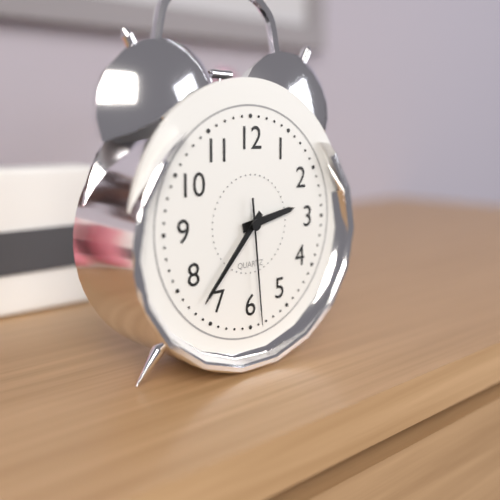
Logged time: **2:37:29**
